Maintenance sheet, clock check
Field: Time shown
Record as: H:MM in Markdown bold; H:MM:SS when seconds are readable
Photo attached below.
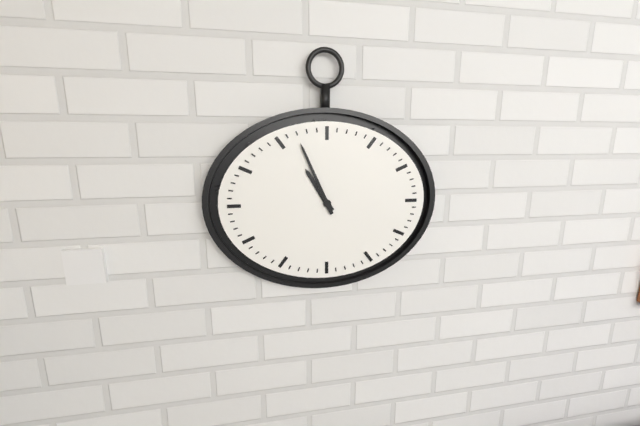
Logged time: **10:56**
